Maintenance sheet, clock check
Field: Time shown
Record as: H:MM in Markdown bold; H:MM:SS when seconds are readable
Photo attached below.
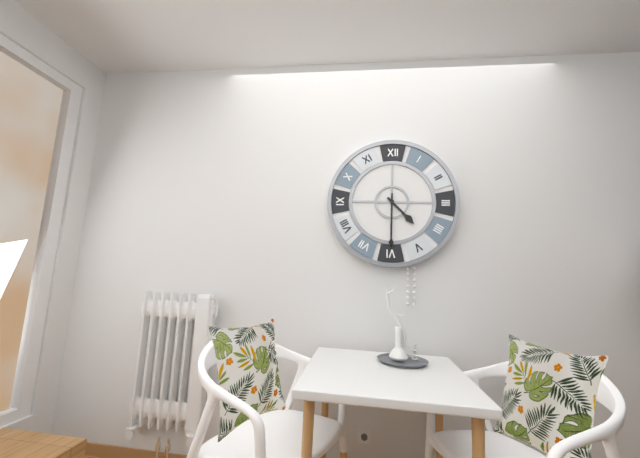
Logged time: **4:30**
